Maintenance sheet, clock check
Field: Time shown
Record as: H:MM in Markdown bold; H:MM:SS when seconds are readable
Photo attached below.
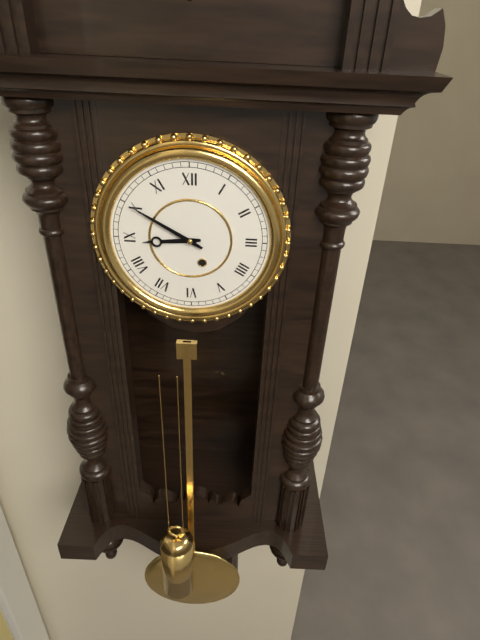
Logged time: **8:50**
